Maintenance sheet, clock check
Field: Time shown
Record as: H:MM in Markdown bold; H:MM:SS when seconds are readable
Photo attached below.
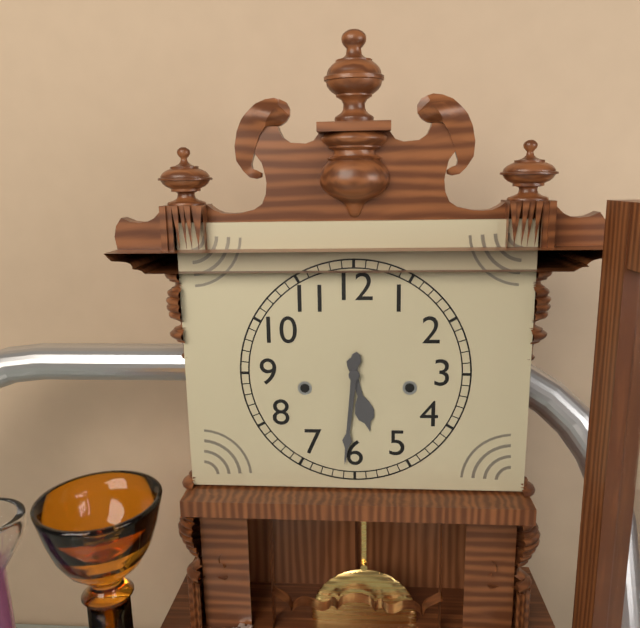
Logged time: **5:31**
